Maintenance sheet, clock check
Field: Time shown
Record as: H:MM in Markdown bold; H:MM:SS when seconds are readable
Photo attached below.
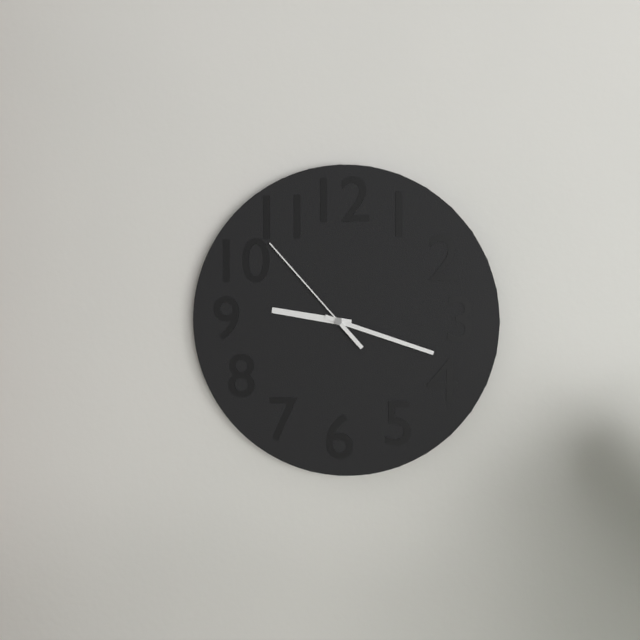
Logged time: **9:18:53**
